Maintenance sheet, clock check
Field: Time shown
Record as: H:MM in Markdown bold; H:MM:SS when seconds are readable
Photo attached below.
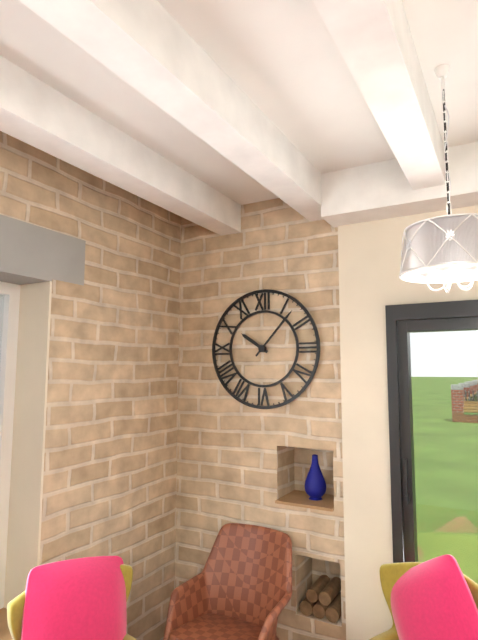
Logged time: **10:07**
